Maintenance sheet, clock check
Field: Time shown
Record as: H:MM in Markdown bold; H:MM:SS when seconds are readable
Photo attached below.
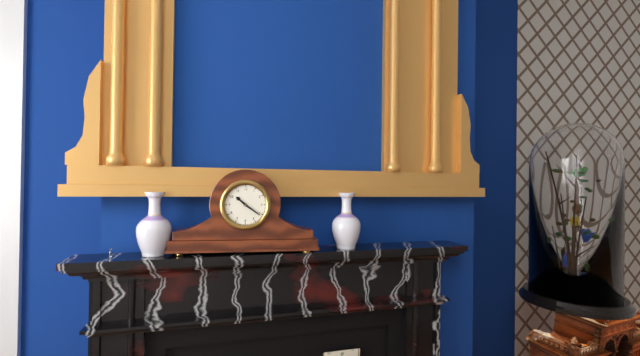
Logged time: **10:21**
